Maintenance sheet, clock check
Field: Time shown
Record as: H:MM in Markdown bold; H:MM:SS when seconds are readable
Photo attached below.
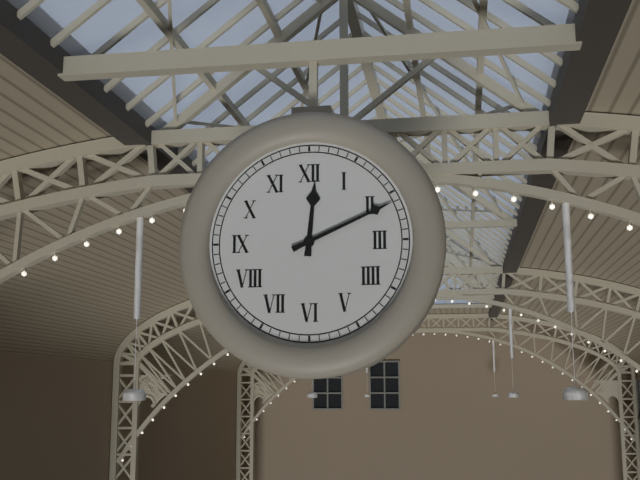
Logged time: **12:11**
